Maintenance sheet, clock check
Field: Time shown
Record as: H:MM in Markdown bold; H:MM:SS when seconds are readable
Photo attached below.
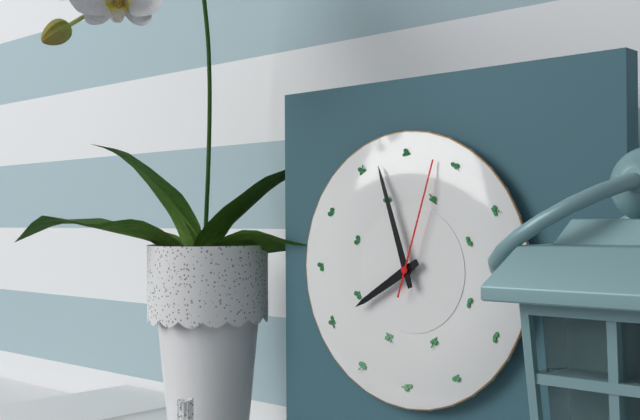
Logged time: **7:57:03**
